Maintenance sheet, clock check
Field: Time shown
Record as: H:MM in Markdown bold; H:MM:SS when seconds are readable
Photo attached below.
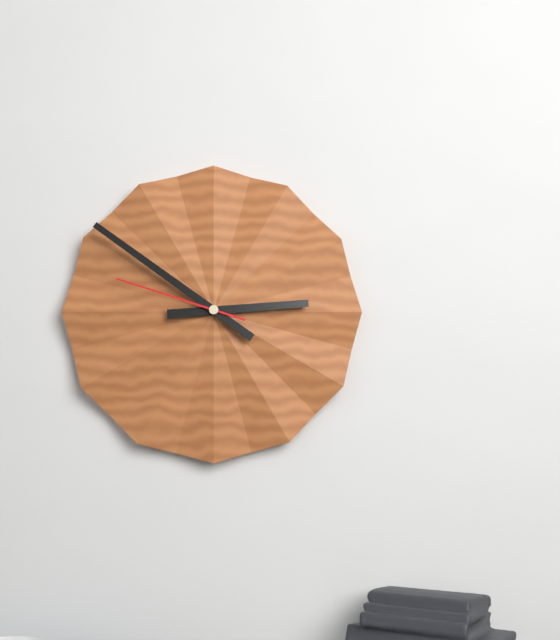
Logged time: **2:51:48**
